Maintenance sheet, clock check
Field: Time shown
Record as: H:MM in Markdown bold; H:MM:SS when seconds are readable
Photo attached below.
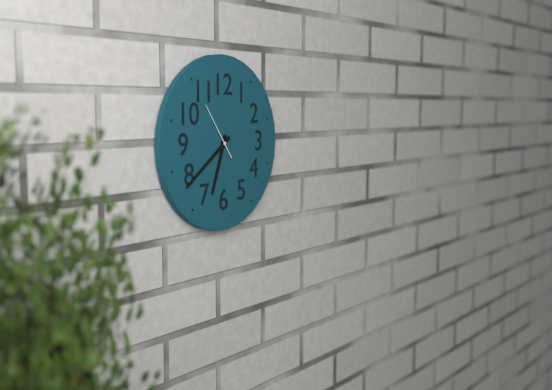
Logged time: **6:39:54**
